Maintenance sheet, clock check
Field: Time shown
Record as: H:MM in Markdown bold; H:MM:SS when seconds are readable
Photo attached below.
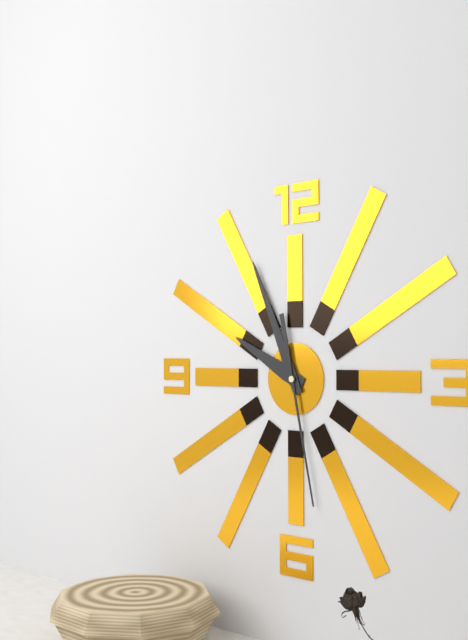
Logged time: **9:56:28**
